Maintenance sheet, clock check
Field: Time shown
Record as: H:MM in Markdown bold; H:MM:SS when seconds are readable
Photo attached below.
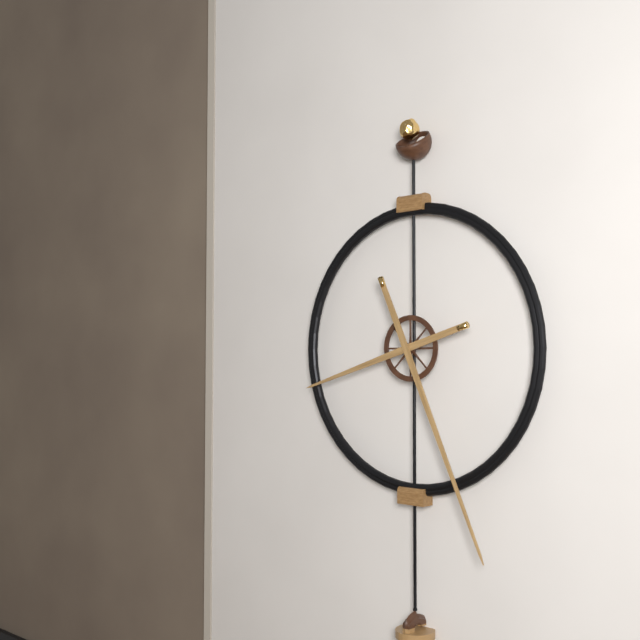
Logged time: **8:26**
